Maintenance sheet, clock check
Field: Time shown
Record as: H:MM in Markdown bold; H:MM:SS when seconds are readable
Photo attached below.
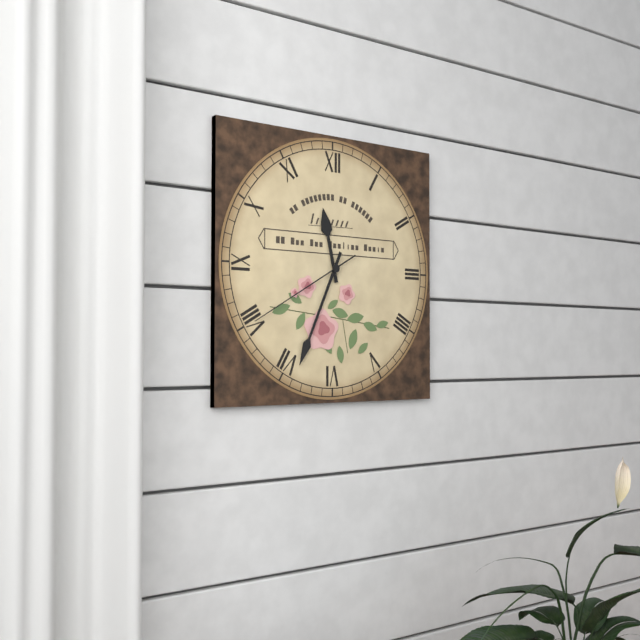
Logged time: **11:34:40**
